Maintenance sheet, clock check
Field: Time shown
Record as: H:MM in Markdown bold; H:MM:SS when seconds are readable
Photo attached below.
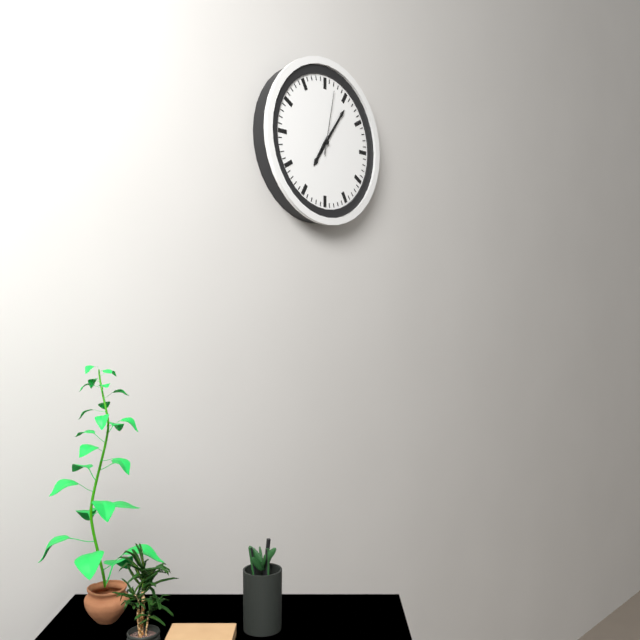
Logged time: **7:06:02**
